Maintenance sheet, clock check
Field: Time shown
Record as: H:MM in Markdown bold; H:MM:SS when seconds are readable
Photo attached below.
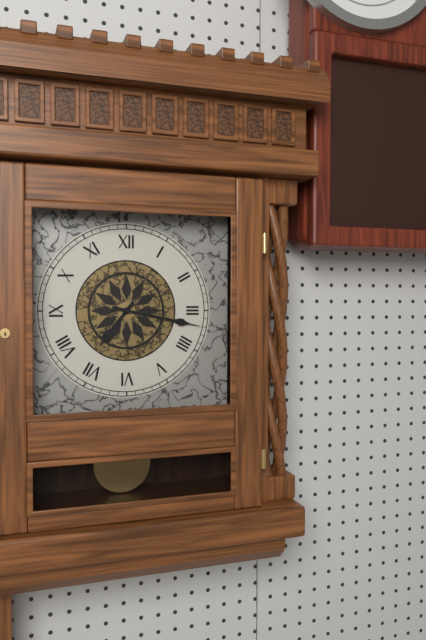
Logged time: **7:17**
